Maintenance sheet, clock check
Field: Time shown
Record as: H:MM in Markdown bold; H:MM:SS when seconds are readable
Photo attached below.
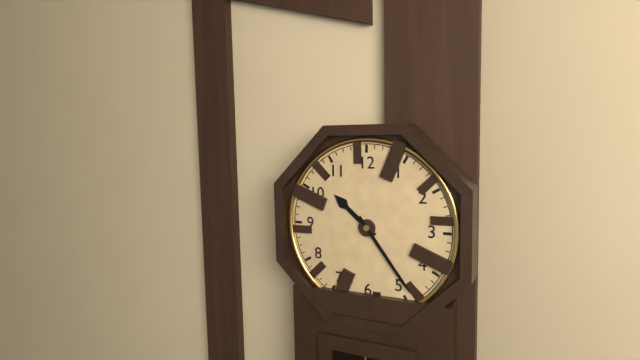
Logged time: **10:24**
